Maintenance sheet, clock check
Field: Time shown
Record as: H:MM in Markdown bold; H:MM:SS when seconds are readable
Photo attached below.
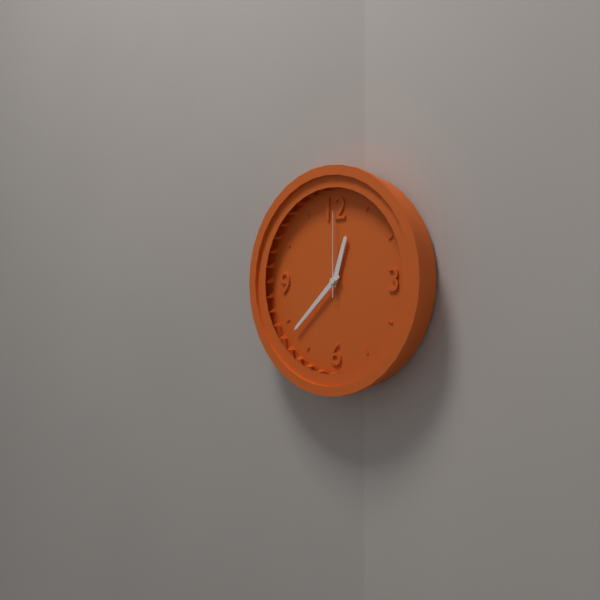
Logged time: **12:38:00**
